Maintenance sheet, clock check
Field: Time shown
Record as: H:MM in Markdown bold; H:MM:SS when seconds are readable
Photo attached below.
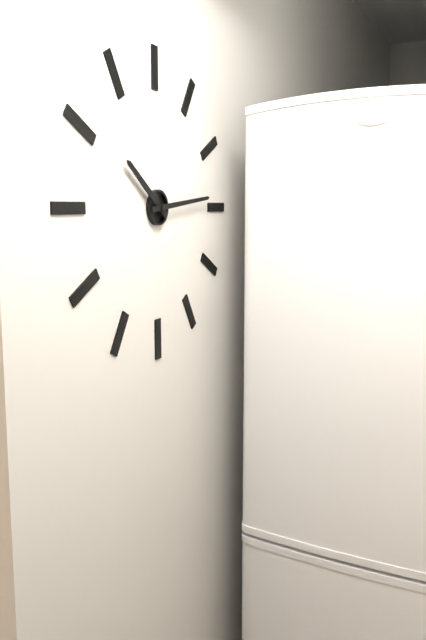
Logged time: **10:14**
